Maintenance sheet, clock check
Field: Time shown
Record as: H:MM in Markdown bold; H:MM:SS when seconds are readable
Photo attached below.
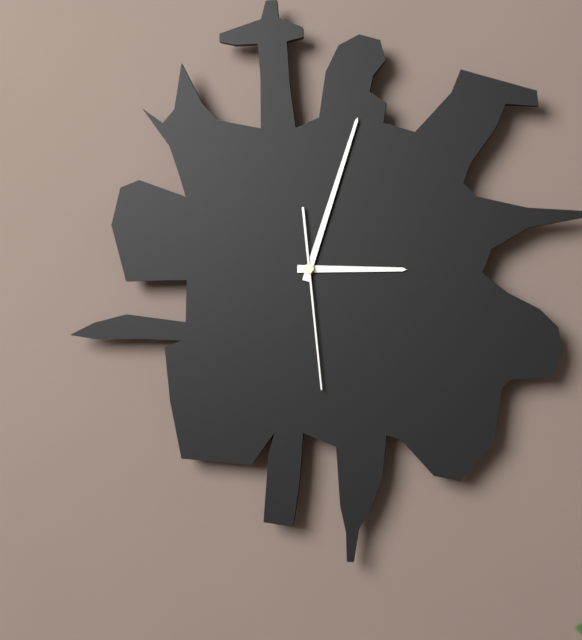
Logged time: **3:03:29**
